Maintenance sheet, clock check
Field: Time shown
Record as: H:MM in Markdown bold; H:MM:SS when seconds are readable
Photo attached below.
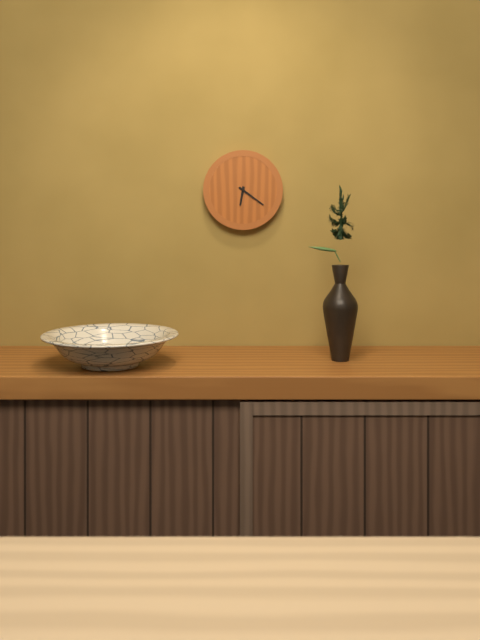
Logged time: **6:21**
